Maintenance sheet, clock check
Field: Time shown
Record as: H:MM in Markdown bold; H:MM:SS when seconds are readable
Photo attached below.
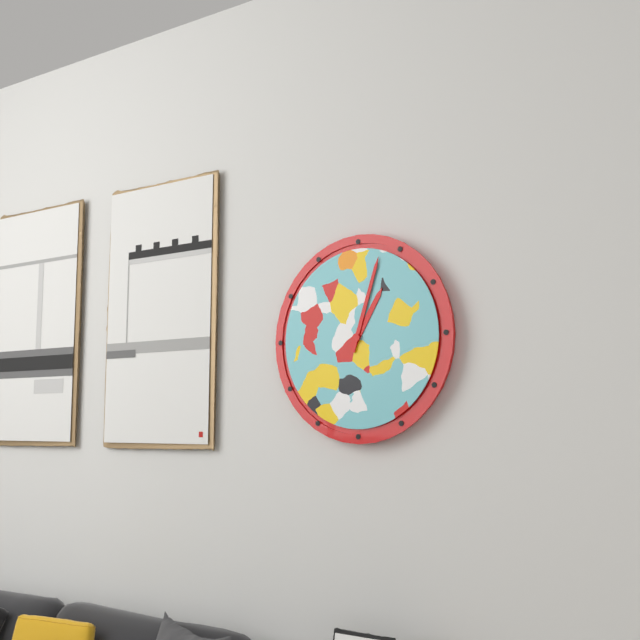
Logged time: **1:03**
